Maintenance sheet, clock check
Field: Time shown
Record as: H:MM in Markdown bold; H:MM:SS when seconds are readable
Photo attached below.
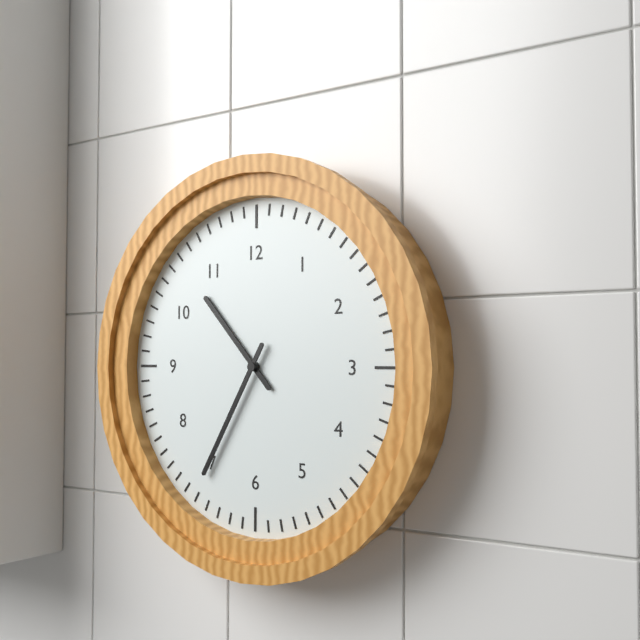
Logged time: **10:35**
